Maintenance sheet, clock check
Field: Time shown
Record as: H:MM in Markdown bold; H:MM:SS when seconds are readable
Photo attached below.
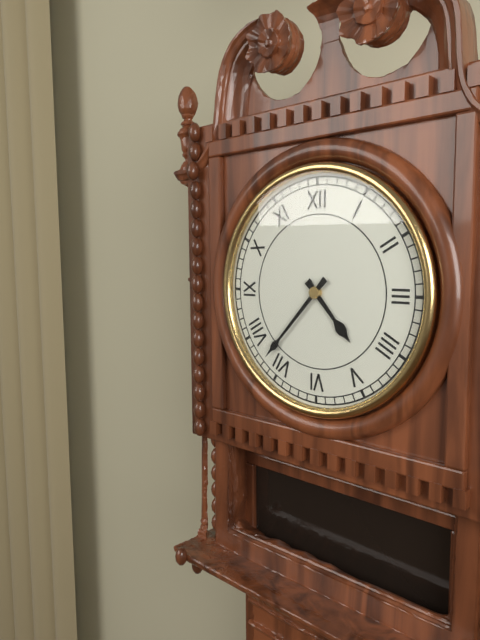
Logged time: **4:37**
